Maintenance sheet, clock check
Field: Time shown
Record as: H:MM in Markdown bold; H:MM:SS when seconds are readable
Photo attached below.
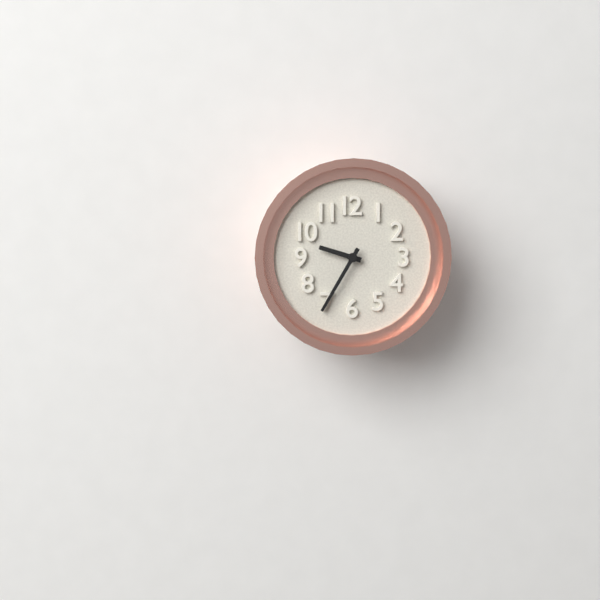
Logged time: **9:35**
